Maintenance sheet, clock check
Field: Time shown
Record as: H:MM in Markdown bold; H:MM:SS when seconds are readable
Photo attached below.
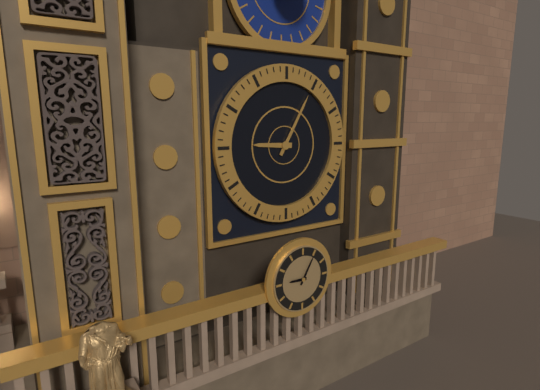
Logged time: **9:05**
